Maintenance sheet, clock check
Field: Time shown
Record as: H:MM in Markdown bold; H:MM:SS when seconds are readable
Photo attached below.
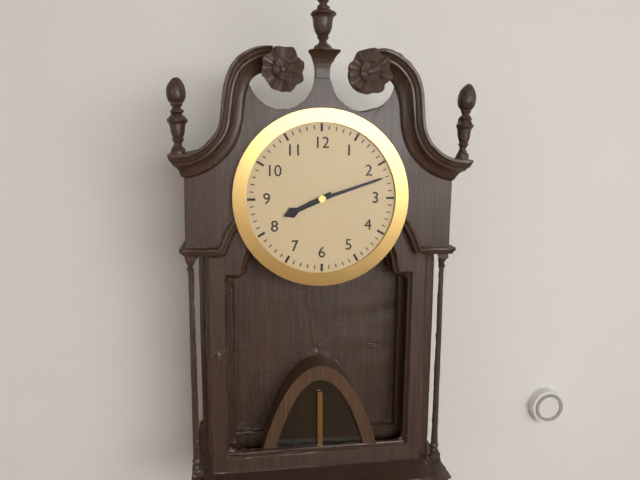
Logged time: **8:12**
